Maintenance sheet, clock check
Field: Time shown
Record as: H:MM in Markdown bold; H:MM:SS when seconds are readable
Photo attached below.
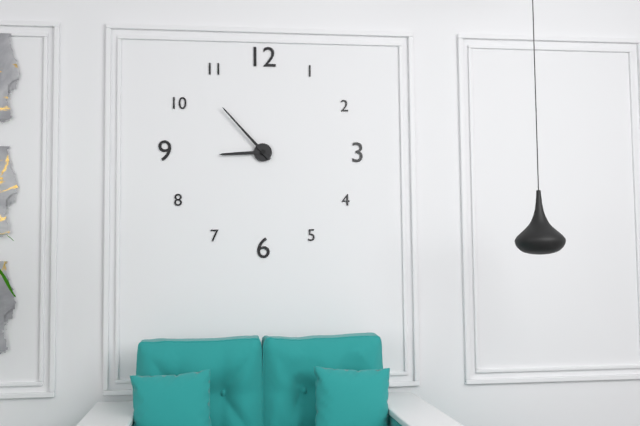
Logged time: **8:53**
